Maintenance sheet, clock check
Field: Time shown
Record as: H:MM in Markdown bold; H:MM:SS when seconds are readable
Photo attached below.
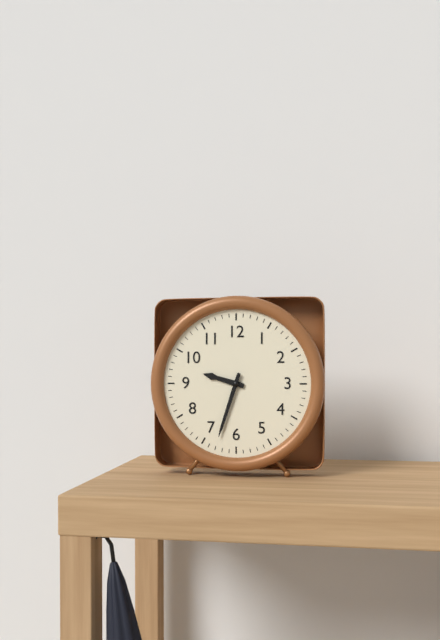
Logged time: **9:33**
